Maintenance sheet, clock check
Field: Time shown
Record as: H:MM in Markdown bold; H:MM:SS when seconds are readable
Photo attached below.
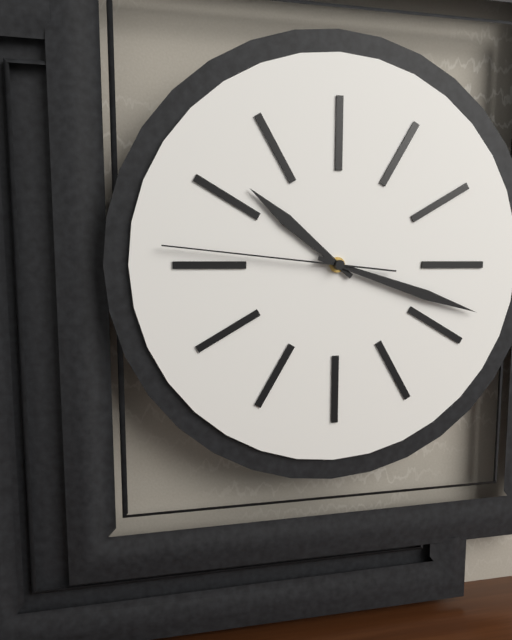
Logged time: **10:18:46**
